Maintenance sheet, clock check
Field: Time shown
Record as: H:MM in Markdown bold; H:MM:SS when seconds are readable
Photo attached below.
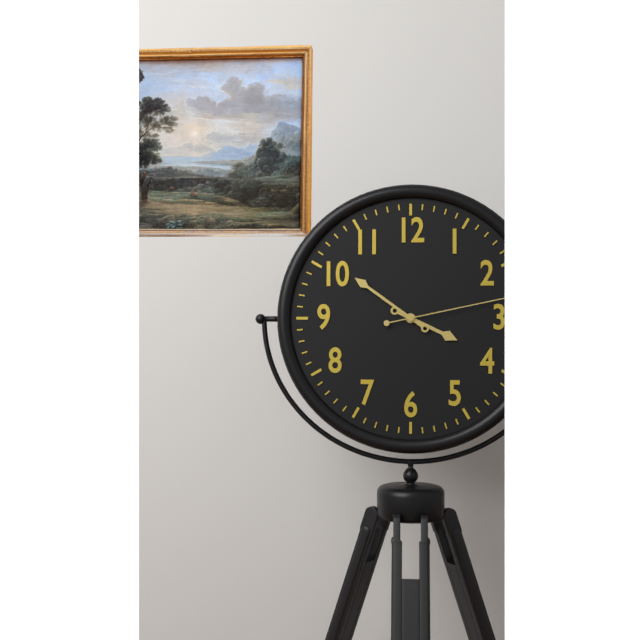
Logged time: **3:51:13**
